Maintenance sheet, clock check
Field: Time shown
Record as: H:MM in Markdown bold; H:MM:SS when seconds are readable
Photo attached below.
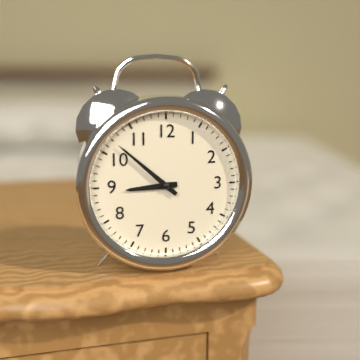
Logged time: **8:52**
